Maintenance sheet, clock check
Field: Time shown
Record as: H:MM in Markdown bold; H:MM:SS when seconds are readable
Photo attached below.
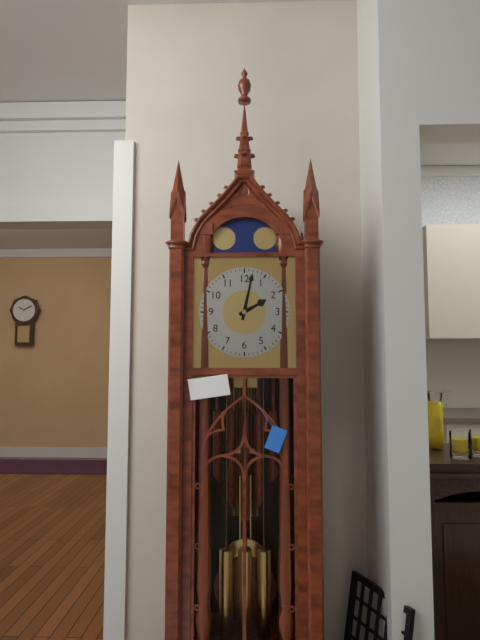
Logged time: **2:02**
